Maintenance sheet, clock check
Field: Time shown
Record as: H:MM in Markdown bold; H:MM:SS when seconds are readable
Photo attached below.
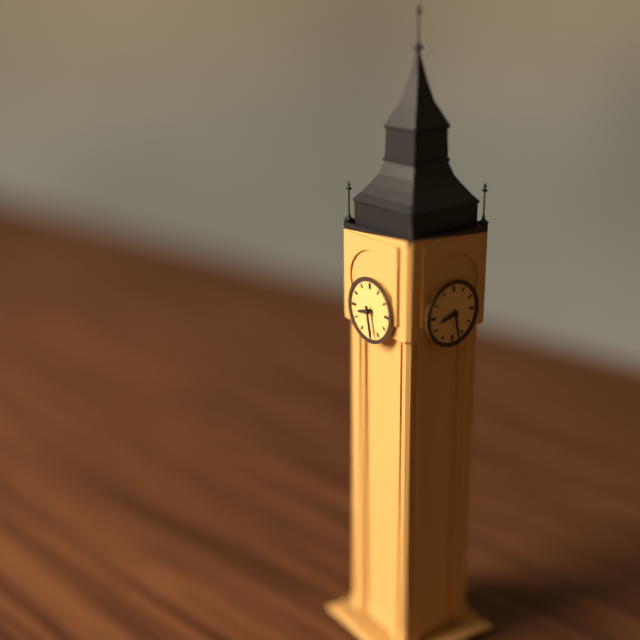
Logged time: **8:28**
